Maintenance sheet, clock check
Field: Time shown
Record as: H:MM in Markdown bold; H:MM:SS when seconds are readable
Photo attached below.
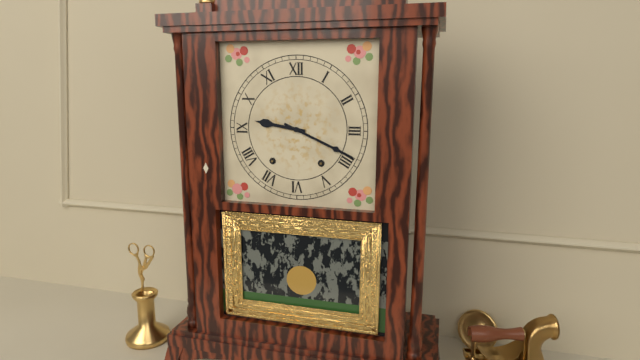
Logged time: **9:19**
